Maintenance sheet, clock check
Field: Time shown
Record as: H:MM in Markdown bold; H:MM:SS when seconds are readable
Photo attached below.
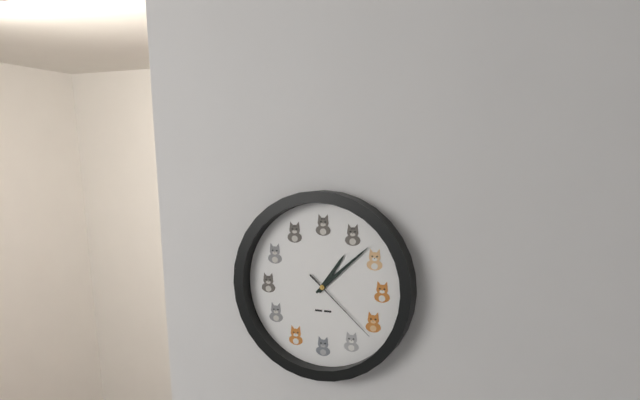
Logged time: **1:08:22**
